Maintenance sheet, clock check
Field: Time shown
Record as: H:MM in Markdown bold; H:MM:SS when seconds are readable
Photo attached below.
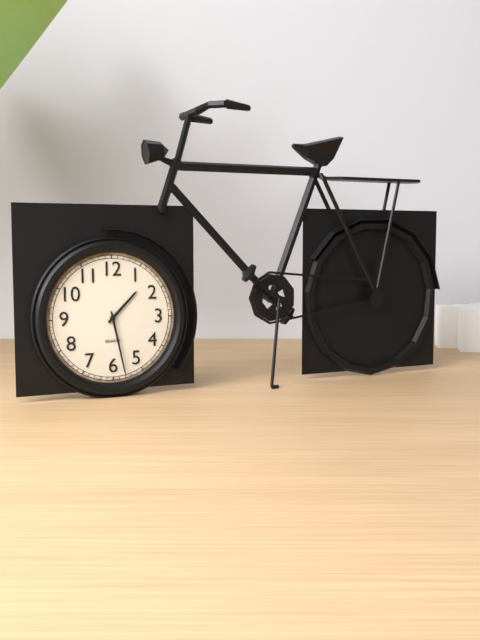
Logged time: **1:28**
